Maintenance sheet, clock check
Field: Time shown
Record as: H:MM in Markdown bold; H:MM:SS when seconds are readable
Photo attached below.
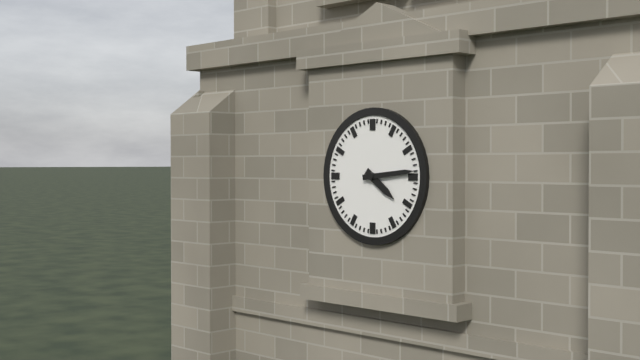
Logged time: **4:14**
